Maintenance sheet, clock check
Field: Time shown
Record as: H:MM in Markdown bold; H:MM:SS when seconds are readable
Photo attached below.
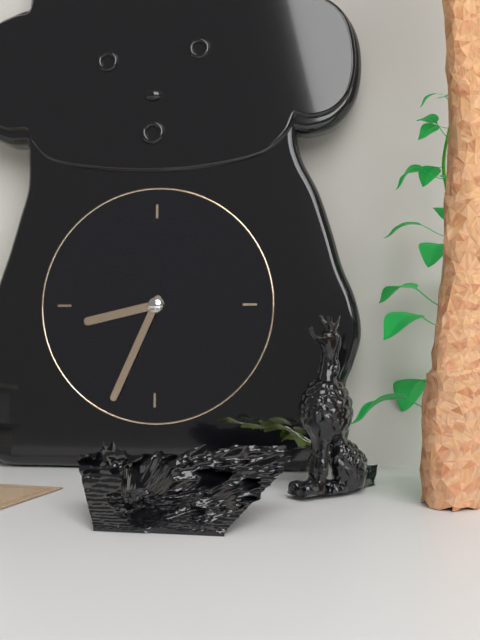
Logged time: **8:34**
